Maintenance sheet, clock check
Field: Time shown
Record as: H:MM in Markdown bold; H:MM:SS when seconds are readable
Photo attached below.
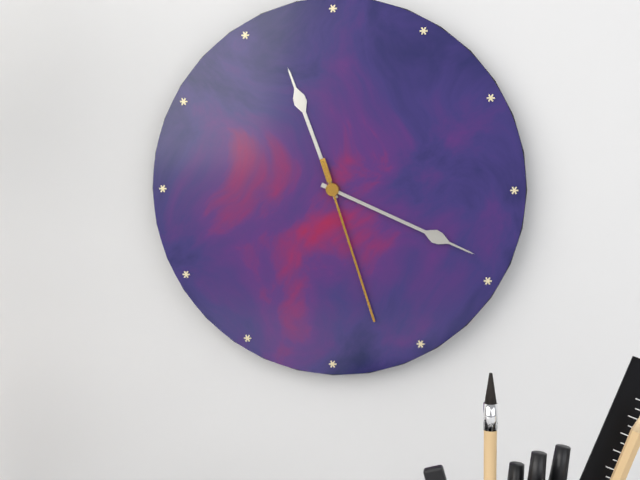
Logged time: **11:19:27**
